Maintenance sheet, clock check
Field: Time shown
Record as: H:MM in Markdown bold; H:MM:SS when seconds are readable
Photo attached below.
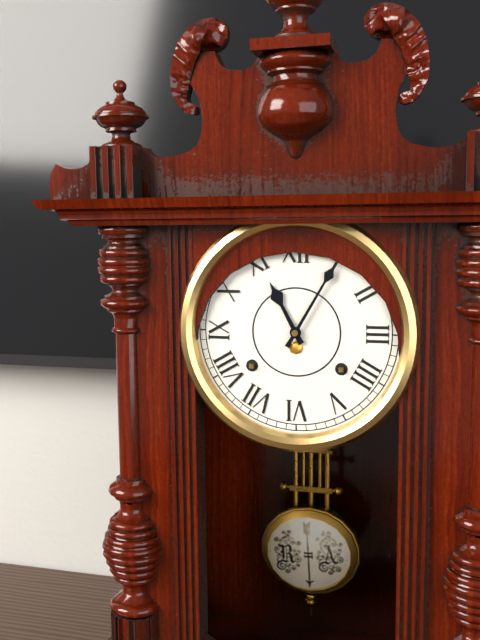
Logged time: **11:05**
